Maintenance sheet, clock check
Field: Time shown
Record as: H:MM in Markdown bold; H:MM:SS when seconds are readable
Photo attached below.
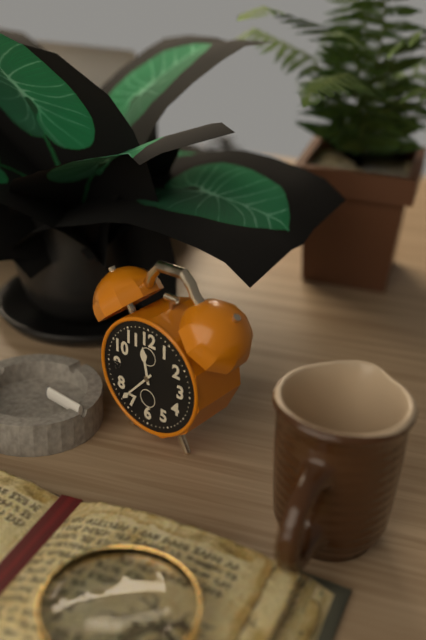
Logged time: **11:37**
